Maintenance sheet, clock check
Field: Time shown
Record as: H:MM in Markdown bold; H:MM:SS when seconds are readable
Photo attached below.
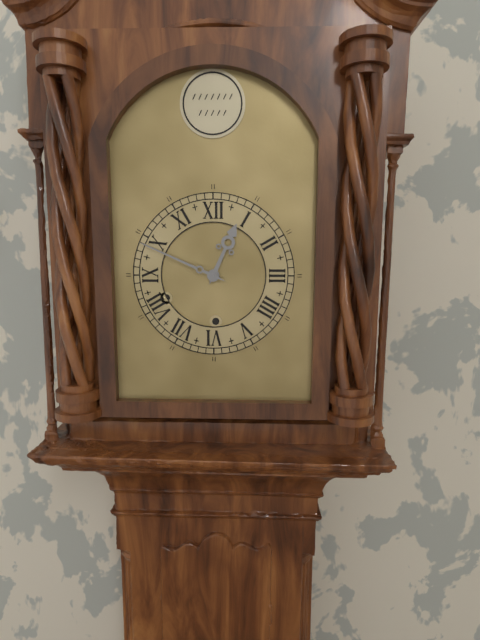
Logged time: **12:49**
